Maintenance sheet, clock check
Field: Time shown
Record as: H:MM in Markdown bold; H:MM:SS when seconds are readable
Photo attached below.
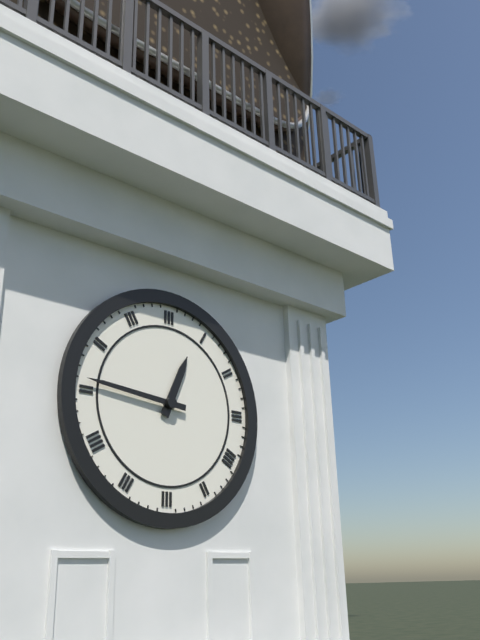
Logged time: **12:46**
